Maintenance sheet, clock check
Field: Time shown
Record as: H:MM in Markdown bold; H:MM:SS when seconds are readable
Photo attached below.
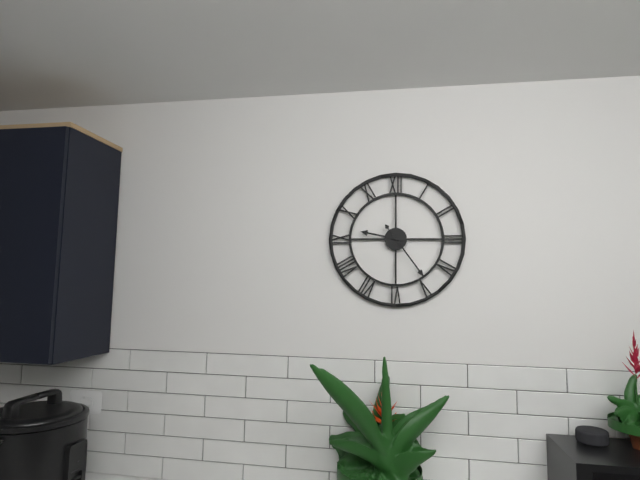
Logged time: **9:24**
